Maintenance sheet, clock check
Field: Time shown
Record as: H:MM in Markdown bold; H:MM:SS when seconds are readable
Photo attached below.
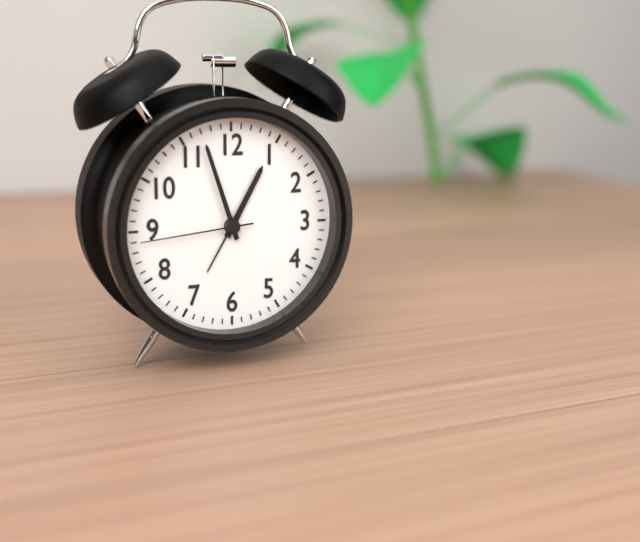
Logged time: **12:57:44**
